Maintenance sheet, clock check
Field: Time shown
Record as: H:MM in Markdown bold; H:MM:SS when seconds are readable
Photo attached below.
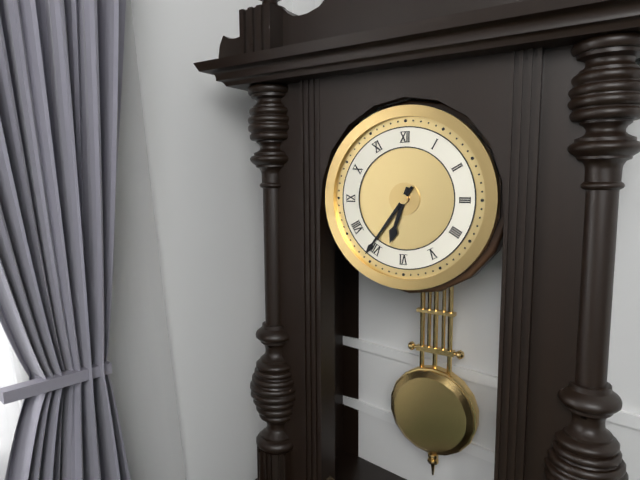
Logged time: **6:36**
